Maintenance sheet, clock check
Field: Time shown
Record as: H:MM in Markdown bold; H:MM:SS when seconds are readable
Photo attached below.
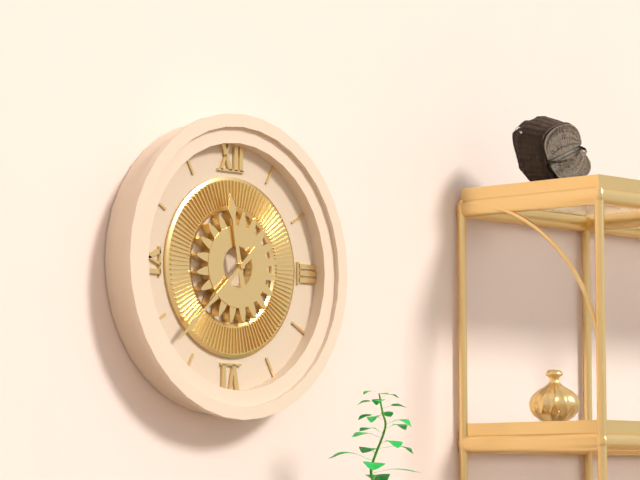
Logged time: **11:38**
